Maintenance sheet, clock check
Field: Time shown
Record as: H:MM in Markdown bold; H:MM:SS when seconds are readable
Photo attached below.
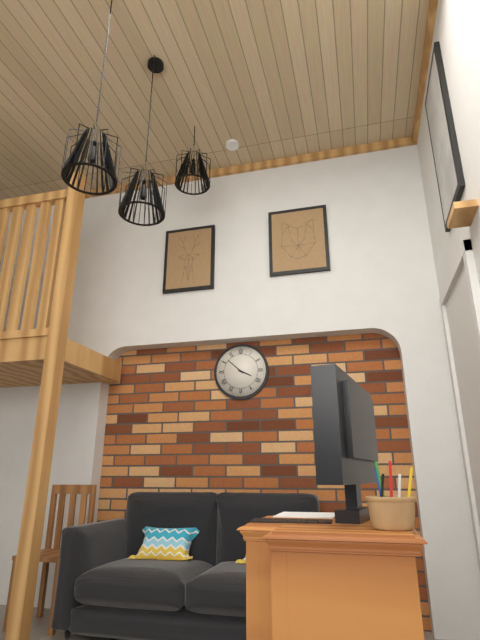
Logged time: **3:52**
